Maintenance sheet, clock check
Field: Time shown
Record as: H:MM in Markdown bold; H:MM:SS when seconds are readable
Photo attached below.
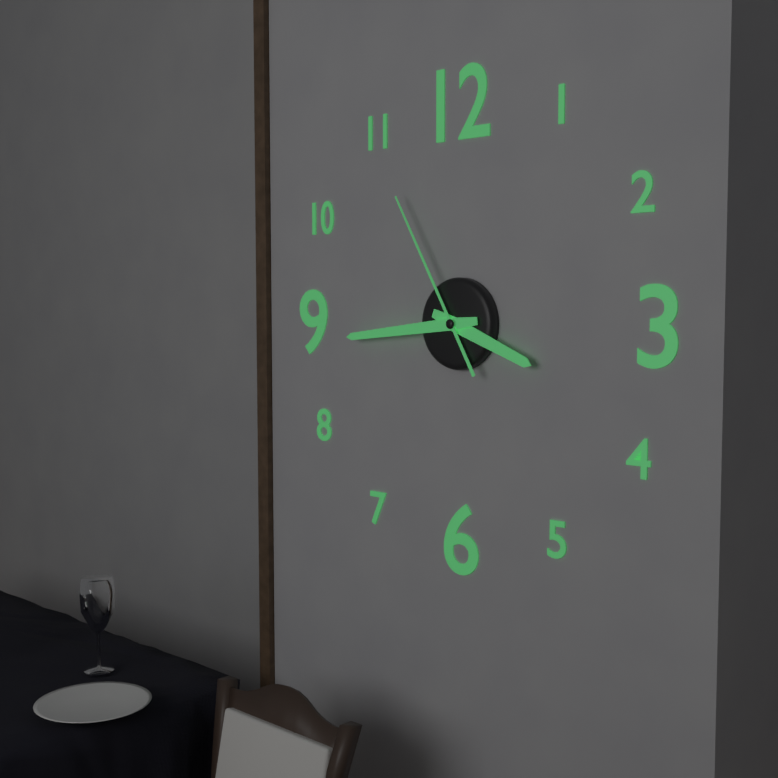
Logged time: **3:44:55**
